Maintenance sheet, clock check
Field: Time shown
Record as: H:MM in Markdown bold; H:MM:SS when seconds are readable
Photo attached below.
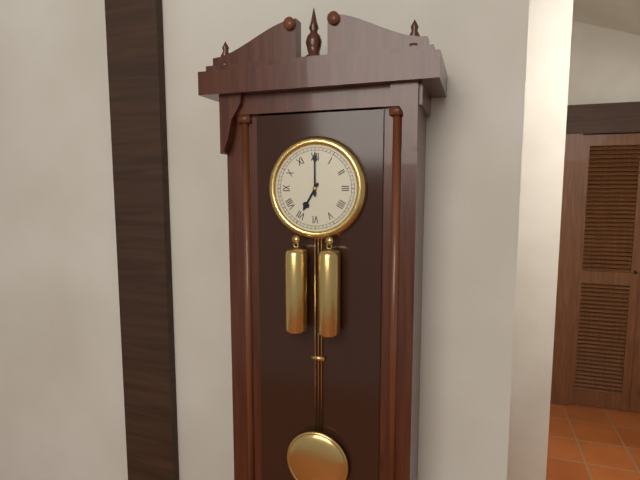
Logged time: **7:00**
